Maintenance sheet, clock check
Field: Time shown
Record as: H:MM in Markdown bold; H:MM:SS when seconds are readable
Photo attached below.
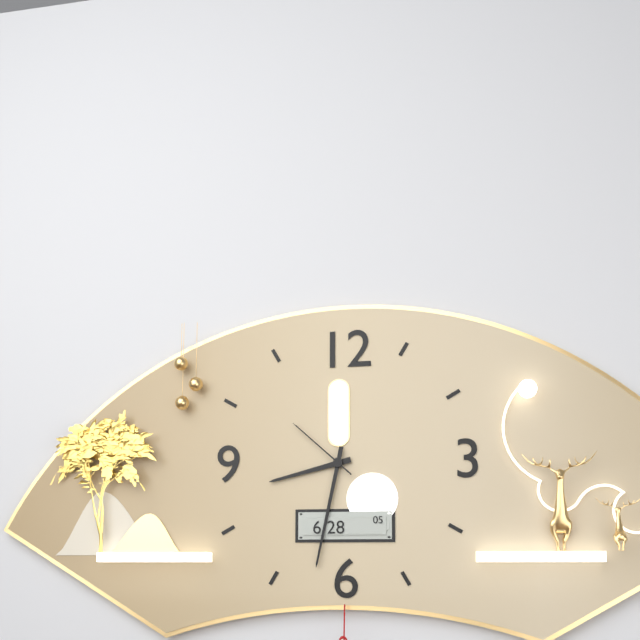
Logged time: **8:32:52**
